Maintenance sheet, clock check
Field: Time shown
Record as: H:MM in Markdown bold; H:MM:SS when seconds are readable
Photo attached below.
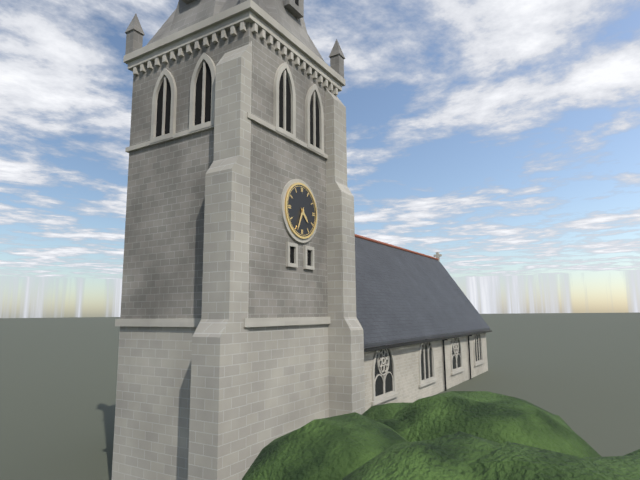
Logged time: **4:34**
